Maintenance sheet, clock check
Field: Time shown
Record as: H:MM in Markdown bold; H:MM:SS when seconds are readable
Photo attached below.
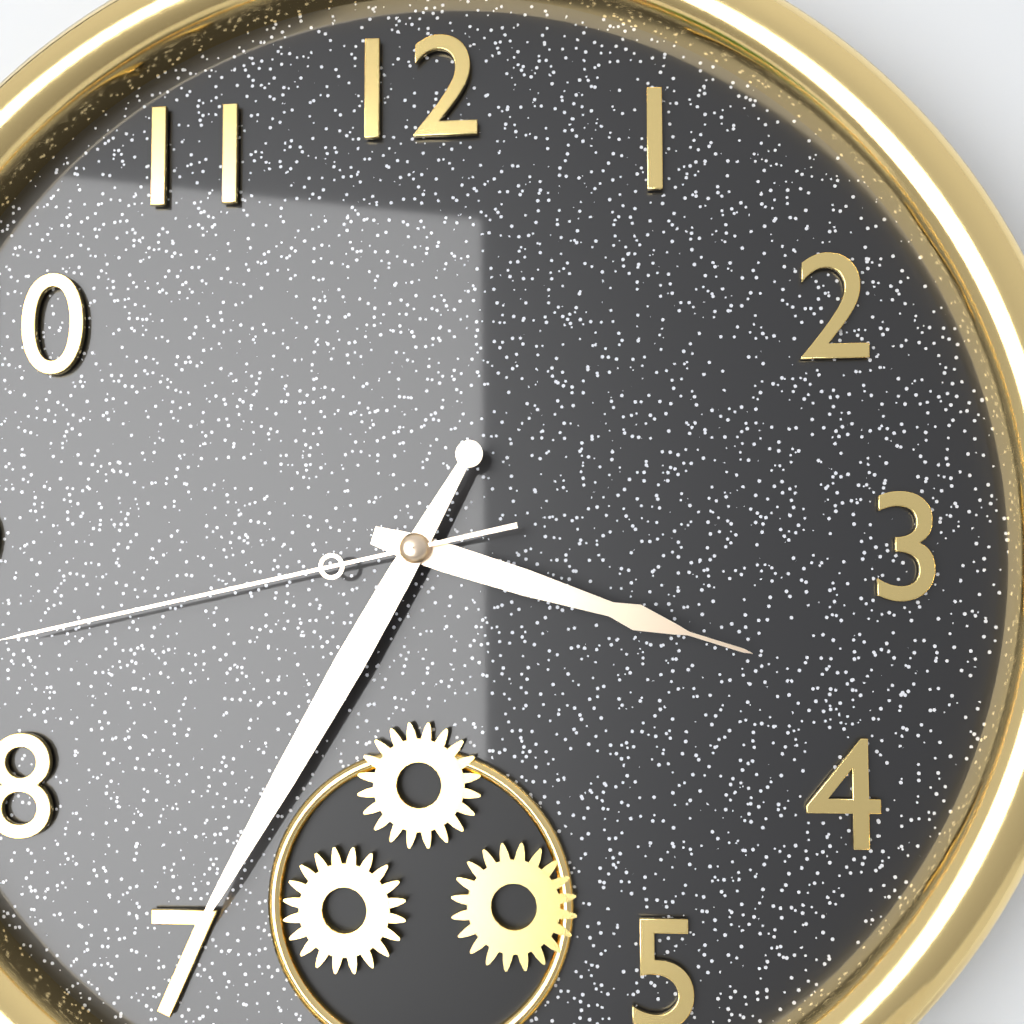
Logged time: **3:35**
